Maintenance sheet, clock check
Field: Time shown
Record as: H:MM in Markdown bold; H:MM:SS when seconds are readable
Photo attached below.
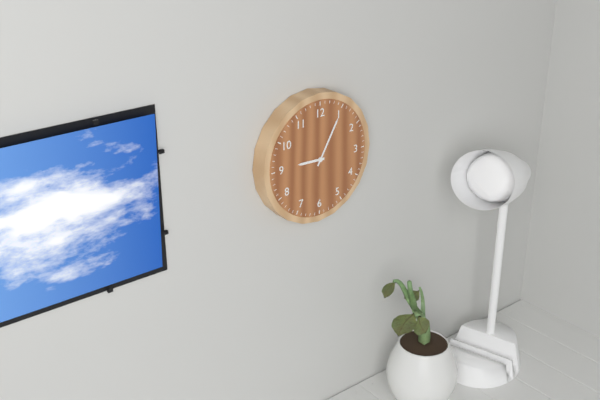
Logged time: **9:05**
